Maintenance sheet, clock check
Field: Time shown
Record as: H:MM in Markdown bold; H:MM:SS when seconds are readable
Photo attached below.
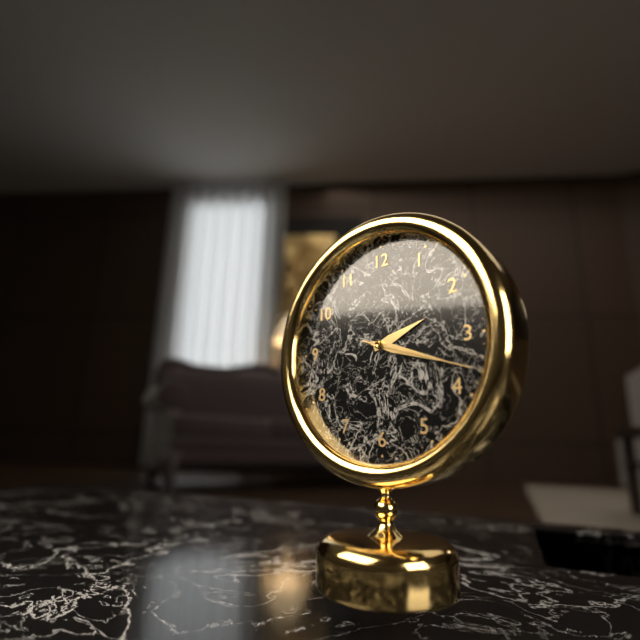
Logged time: **2:18:18**
